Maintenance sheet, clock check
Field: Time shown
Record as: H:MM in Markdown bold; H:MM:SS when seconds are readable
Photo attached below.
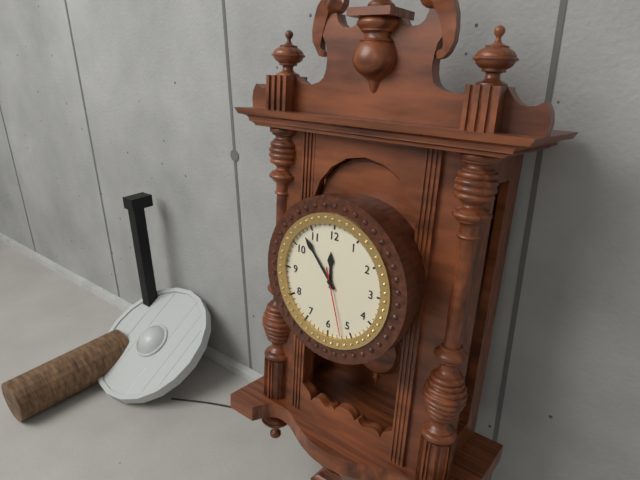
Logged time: **11:53:27**
